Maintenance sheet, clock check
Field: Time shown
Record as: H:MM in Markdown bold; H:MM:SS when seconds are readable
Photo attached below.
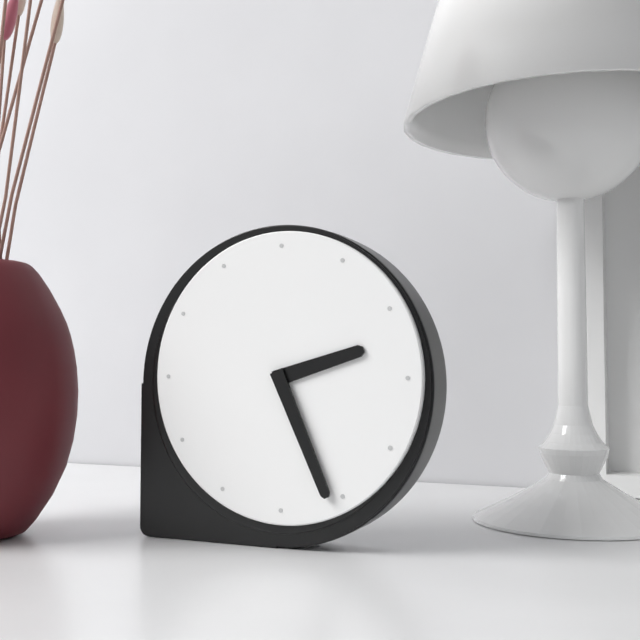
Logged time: **2:26**
